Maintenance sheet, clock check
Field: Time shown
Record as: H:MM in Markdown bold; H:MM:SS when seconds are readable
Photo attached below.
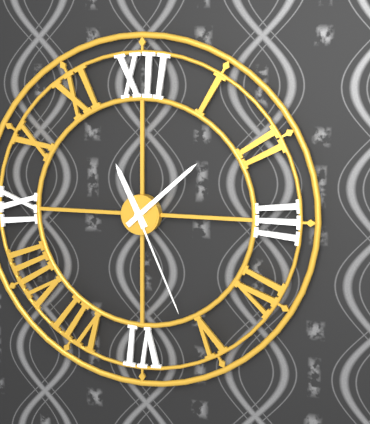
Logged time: **11:08:26**
